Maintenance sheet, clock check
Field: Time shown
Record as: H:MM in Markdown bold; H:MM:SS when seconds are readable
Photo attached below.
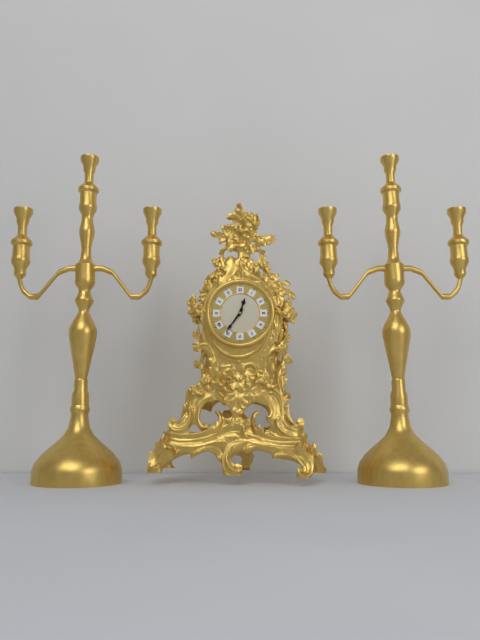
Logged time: **12:36**
